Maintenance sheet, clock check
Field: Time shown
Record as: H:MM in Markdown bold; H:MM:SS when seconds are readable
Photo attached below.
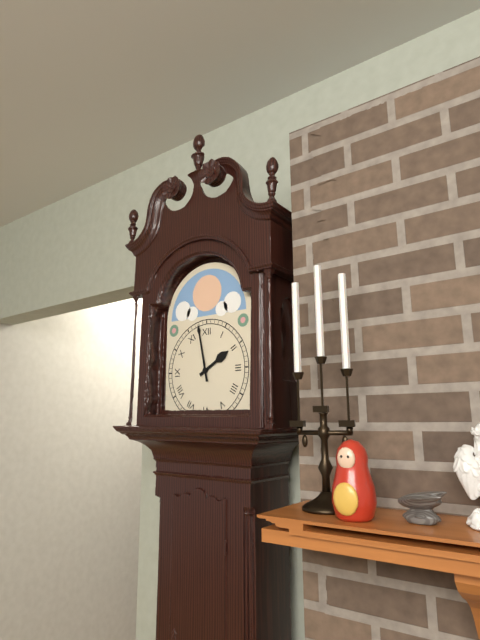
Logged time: **1:58**
